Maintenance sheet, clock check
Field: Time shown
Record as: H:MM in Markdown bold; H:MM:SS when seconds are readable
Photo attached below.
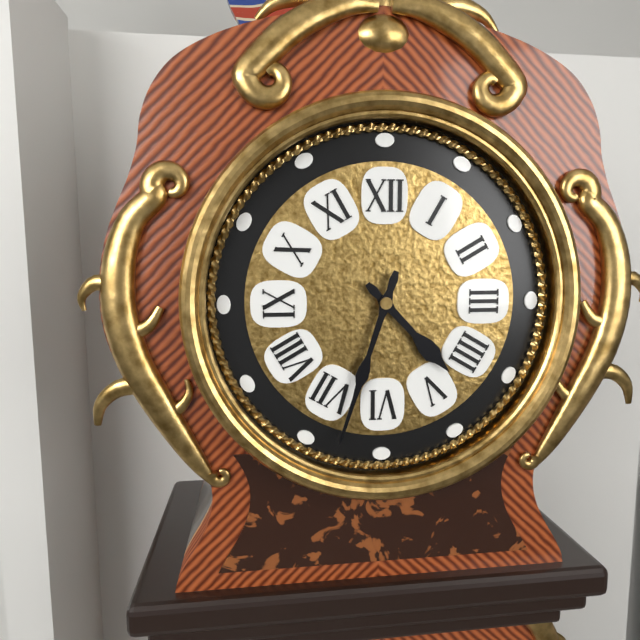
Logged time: **4:33**
